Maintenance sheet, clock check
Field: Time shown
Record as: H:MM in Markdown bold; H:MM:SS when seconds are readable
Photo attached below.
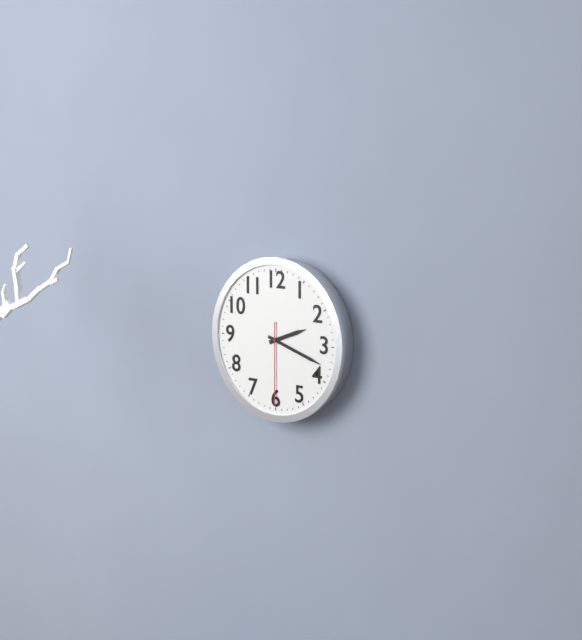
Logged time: **2:18:30**
